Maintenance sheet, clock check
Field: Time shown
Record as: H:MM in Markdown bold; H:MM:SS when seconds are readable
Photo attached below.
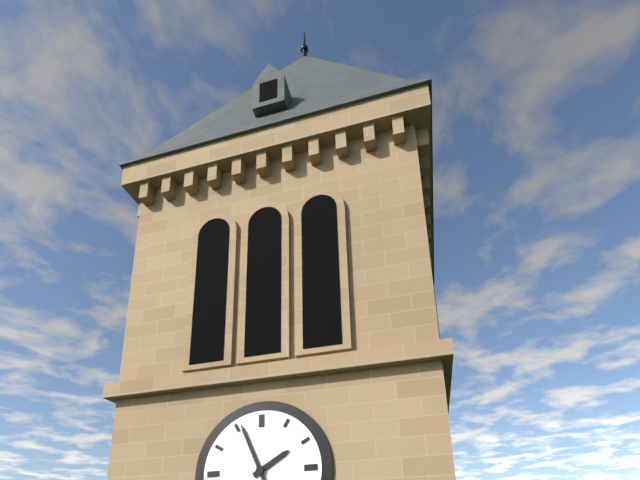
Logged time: **1:56**
